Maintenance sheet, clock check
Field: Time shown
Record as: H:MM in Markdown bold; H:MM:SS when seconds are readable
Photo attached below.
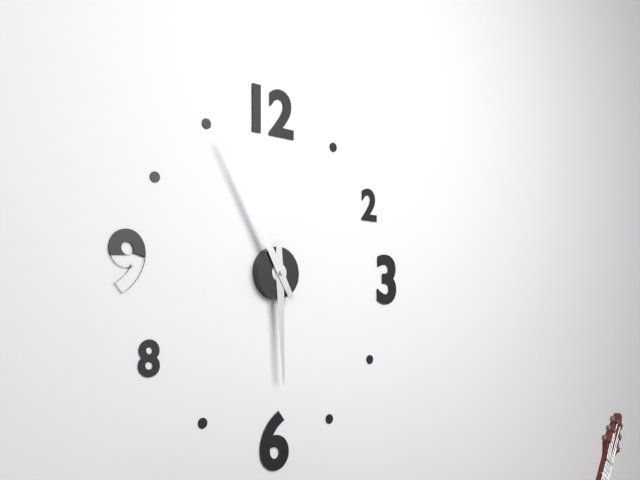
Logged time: **5:55**
